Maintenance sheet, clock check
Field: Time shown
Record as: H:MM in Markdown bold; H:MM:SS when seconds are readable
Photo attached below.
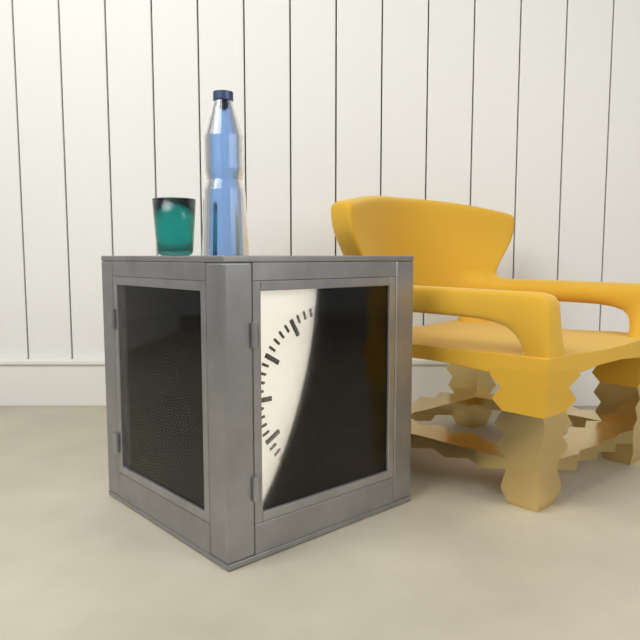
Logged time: **3:36**
